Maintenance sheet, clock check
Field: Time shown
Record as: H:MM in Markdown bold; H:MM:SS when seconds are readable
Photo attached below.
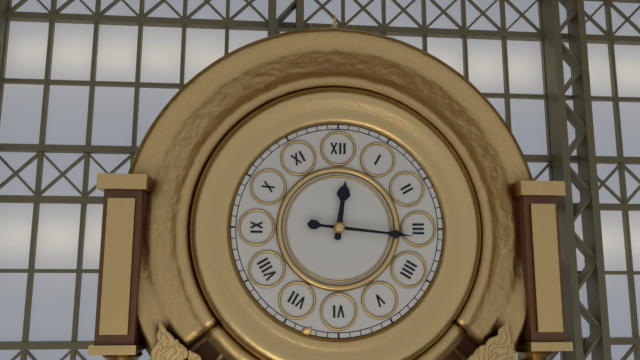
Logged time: **12:16**
